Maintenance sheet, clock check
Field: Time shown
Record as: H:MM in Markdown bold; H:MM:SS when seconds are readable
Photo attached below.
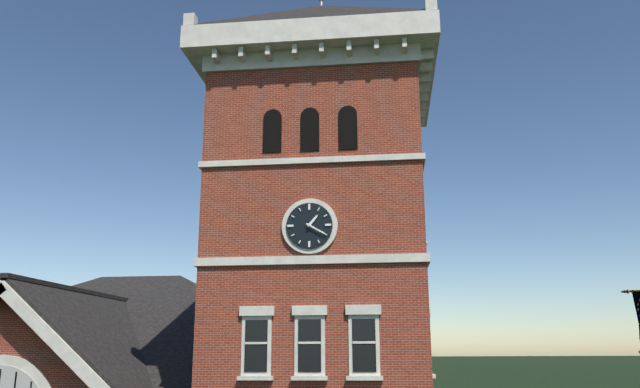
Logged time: **1:20**
